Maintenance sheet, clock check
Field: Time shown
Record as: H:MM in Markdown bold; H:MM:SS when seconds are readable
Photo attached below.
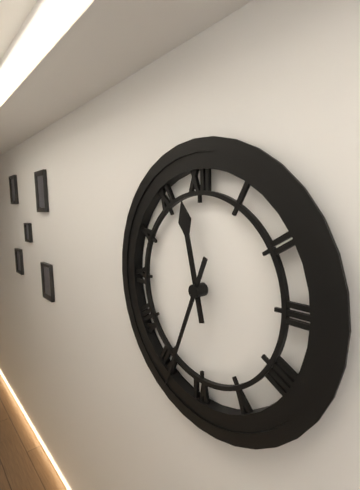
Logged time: **11:34**
